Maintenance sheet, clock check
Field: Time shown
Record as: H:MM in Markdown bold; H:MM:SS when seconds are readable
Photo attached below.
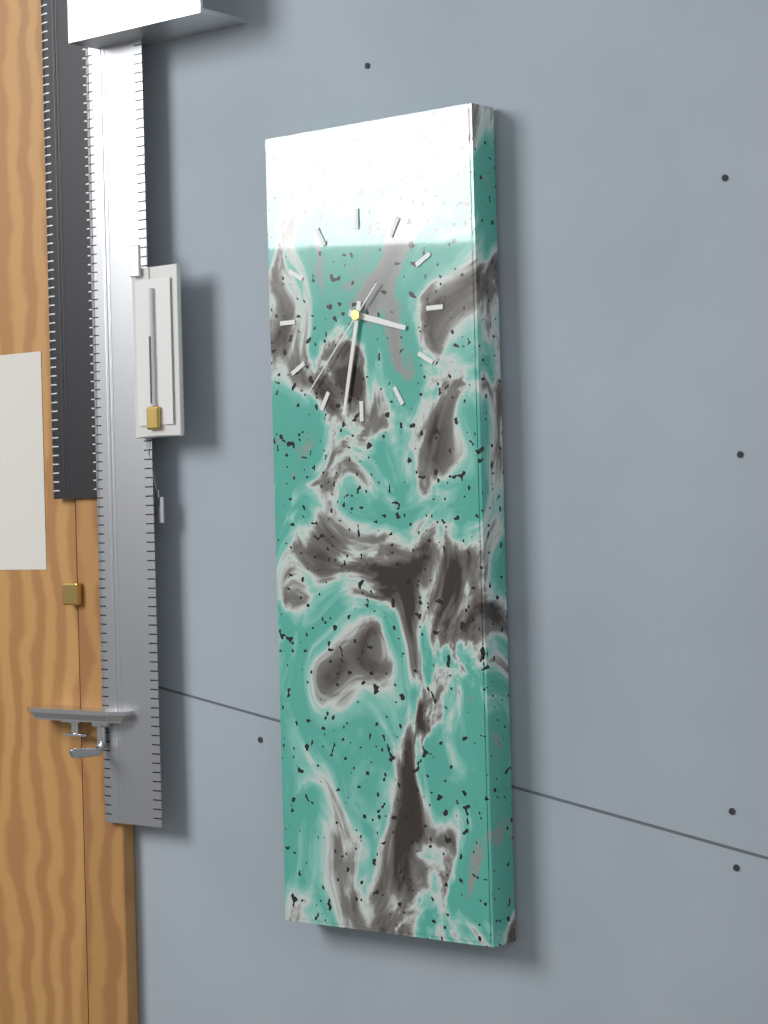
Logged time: **3:32:37**
